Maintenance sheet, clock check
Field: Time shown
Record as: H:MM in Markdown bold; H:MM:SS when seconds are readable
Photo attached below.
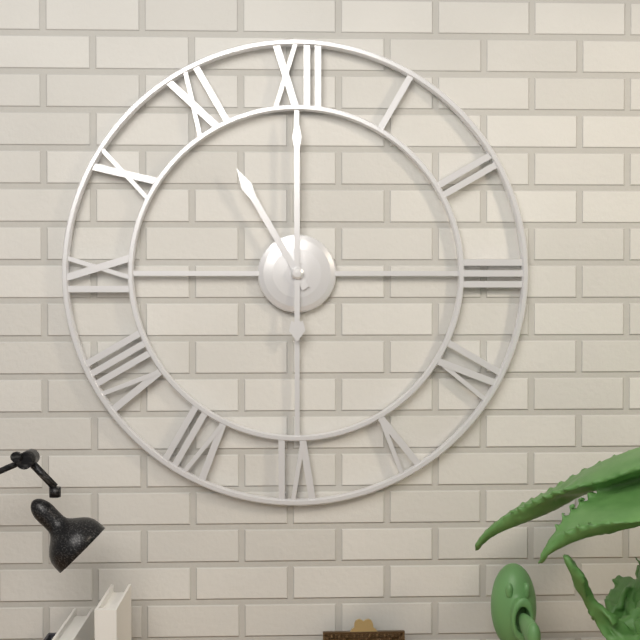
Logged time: **11:00**
